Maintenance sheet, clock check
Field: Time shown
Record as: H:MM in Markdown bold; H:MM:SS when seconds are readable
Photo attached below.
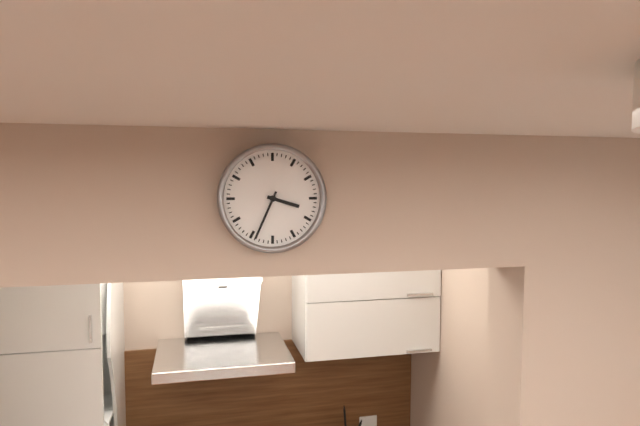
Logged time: **3:34**
